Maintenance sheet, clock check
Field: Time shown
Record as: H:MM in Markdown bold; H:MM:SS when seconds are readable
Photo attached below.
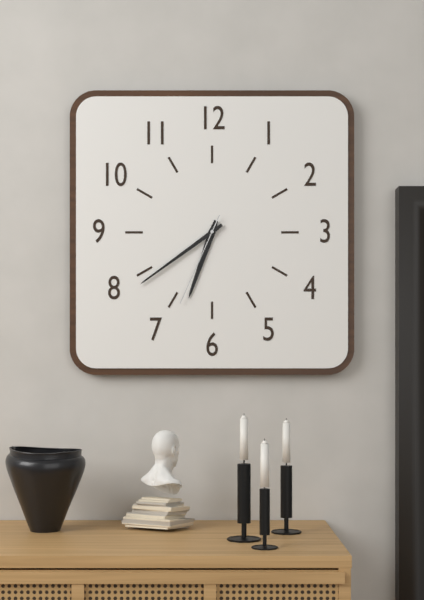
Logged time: **6:39:34**
